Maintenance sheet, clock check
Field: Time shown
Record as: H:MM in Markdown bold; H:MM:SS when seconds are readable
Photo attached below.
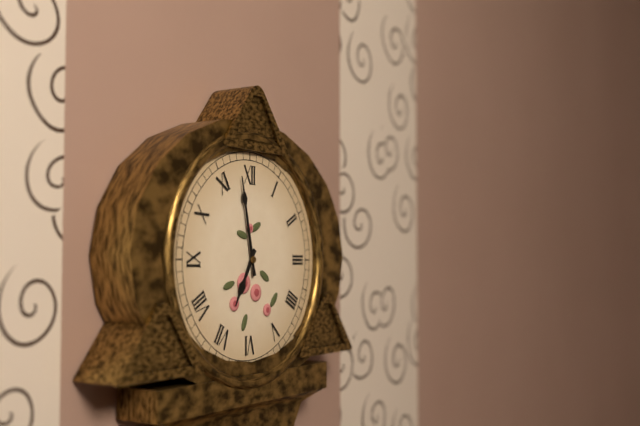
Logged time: **6:58**
